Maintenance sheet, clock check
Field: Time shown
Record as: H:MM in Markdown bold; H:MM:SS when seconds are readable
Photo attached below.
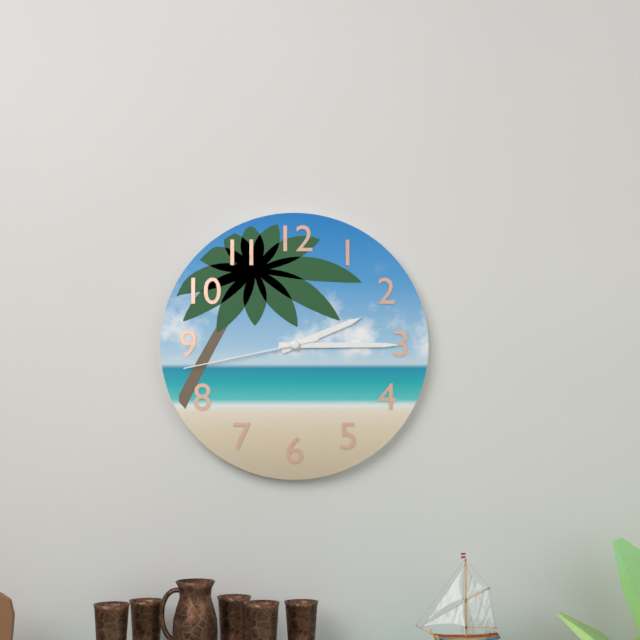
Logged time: **2:15:43**
